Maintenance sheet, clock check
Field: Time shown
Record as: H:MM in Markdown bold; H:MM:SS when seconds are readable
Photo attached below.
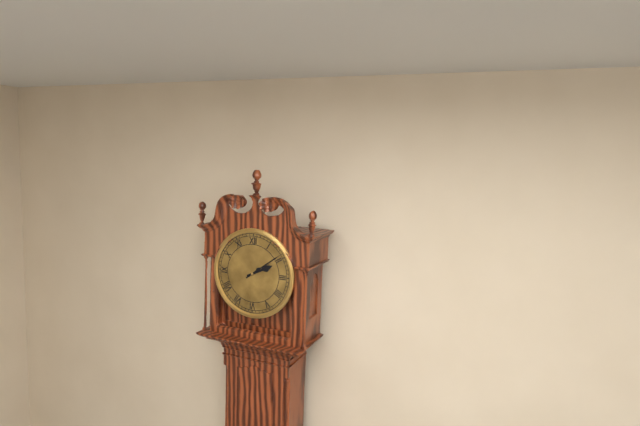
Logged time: **2:09**
